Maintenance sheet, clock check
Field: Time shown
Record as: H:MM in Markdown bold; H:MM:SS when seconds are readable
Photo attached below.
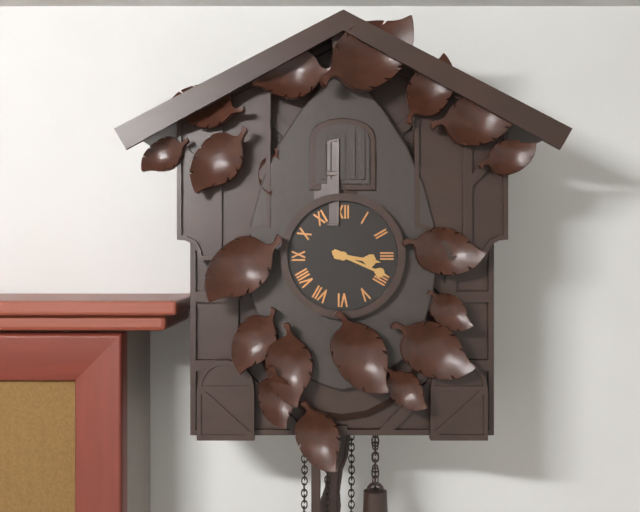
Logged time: **3:19**
